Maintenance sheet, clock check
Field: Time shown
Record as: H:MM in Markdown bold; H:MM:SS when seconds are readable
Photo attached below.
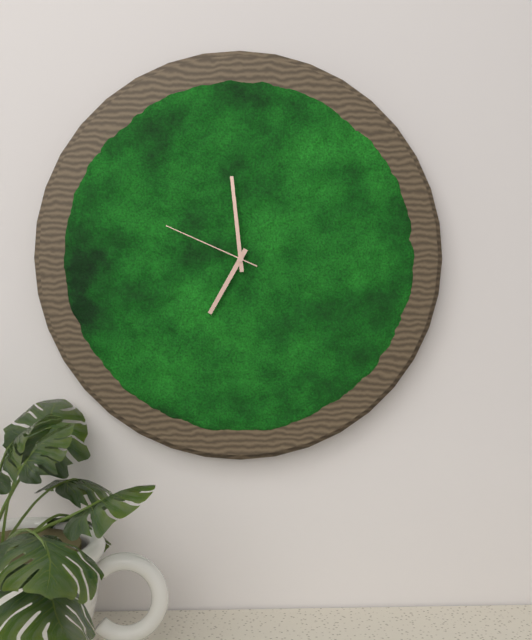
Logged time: **6:59:49**
